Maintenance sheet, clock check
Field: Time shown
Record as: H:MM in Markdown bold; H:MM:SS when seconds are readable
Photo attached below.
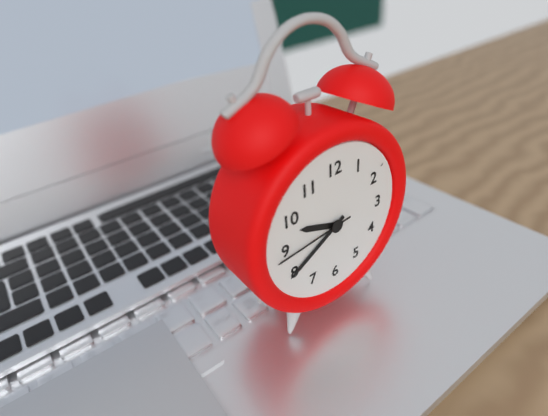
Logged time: **9:40:44**
